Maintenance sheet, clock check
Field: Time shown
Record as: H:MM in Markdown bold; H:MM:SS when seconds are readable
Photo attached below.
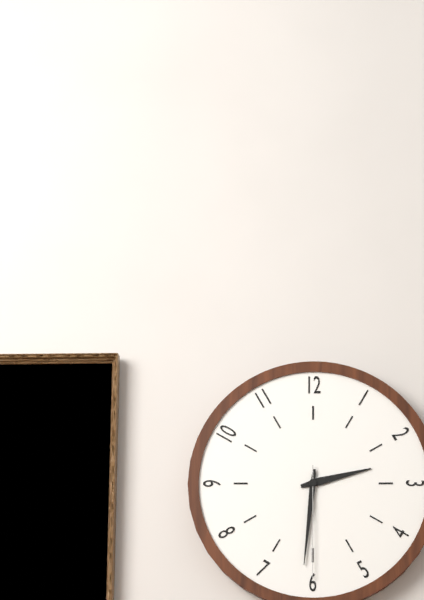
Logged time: **2:31:30**
